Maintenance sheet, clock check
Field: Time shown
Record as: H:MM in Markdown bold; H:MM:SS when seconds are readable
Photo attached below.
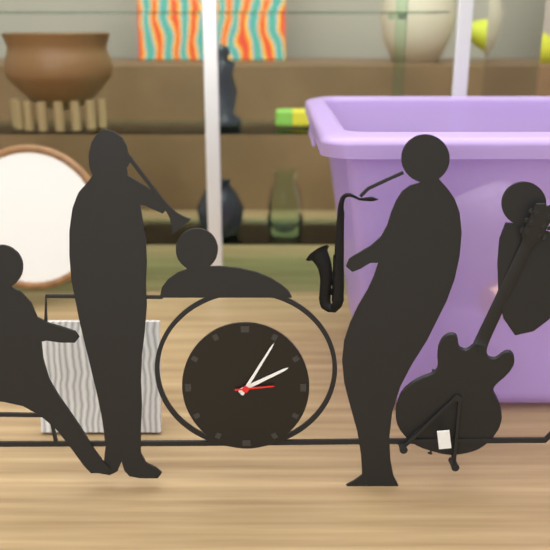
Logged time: **2:05**
